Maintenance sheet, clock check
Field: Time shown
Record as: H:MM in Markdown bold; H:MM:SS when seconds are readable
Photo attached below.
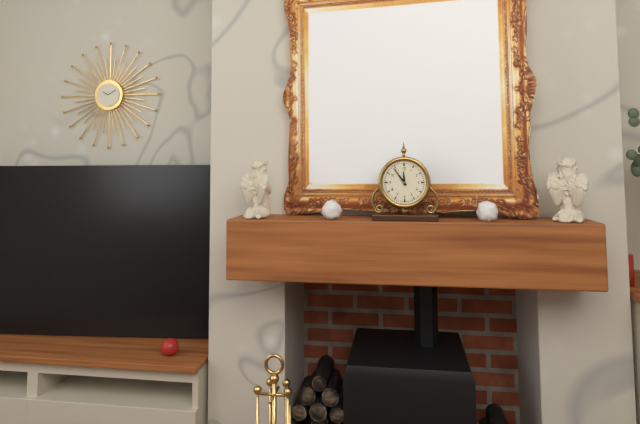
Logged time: **11:54**
